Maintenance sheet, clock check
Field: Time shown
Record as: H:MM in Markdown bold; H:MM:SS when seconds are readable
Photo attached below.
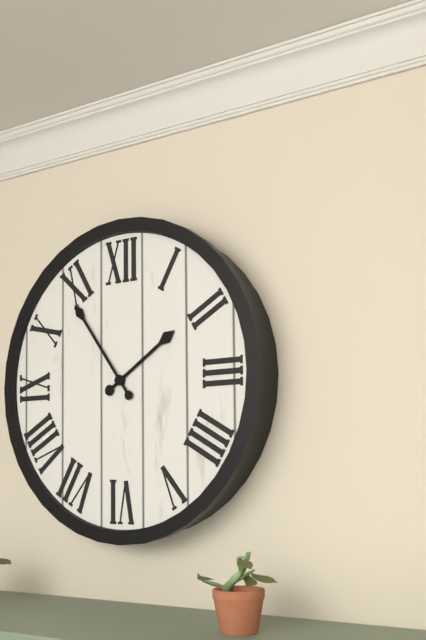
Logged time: **1:54**
